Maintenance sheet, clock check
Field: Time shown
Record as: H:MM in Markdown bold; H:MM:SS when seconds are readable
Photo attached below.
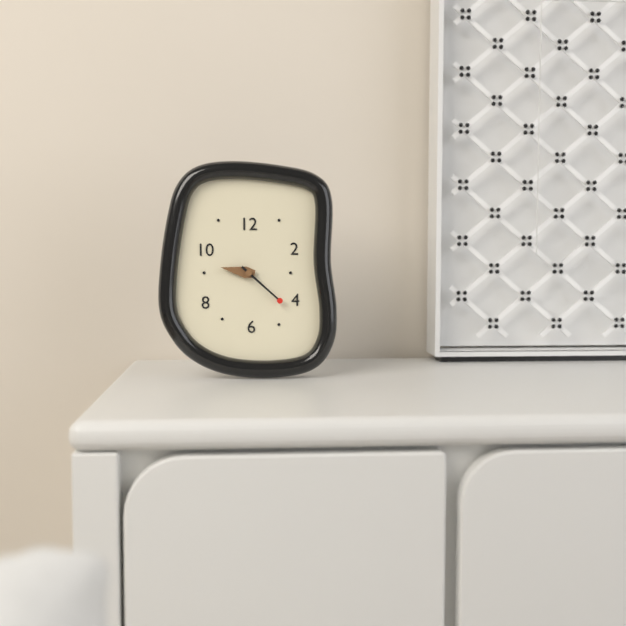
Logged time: **9:22**
